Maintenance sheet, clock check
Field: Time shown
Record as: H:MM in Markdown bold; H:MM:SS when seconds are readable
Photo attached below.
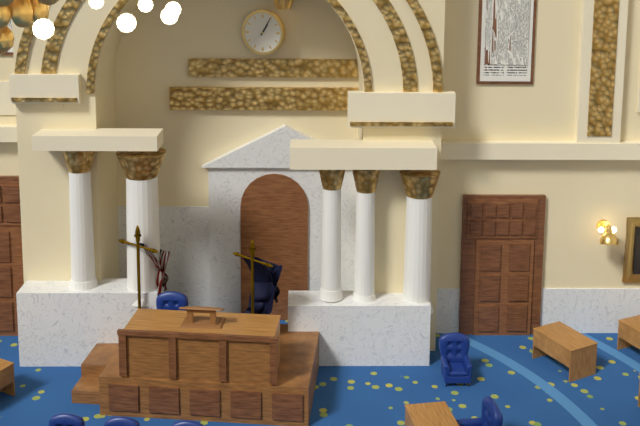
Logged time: **1:05**
